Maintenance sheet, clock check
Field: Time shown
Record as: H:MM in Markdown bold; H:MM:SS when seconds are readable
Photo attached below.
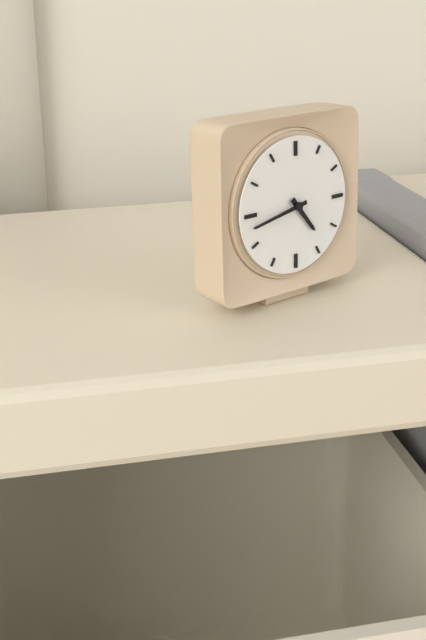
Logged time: **4:43**
